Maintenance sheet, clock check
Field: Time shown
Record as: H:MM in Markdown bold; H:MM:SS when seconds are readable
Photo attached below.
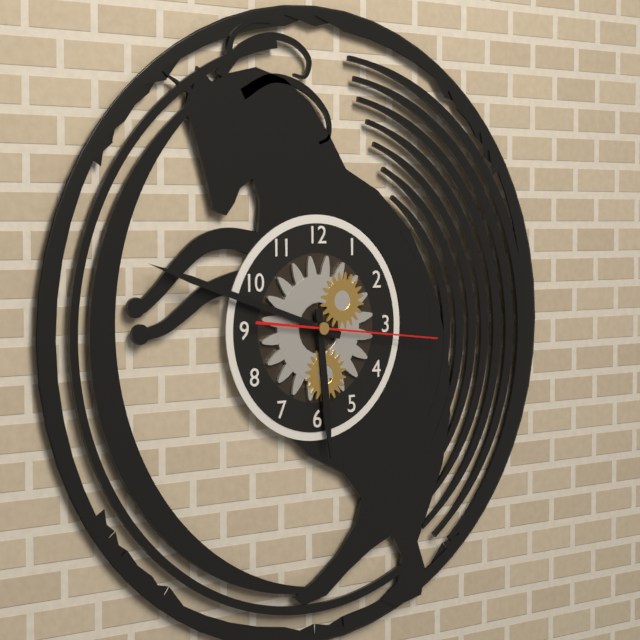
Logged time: **5:48:16**
